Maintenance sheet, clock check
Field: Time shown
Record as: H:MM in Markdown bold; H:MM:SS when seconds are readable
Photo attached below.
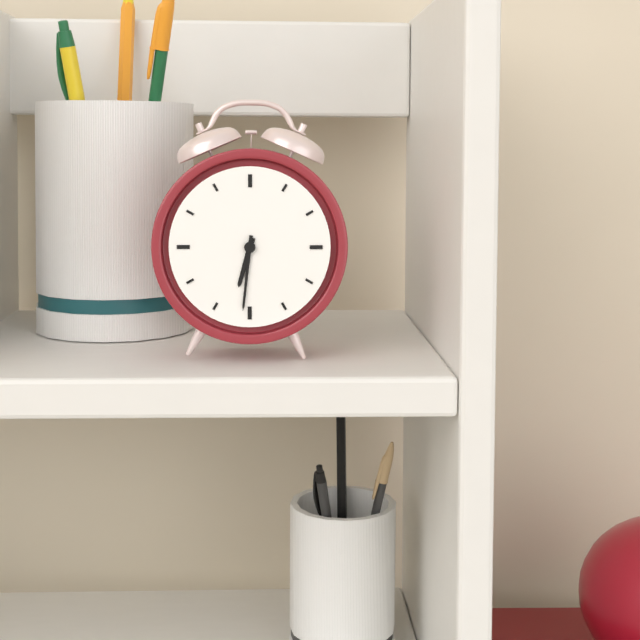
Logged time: **6:31**
